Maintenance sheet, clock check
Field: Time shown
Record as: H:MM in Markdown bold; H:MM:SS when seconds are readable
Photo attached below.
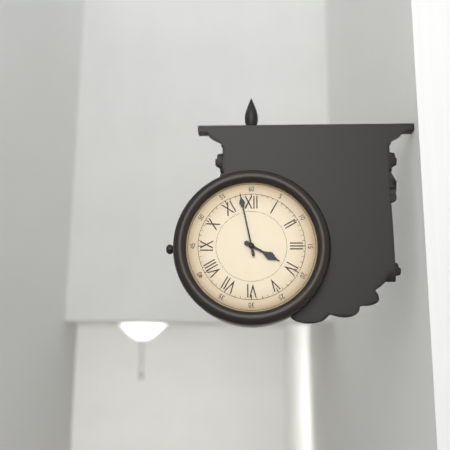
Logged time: **3:58**
